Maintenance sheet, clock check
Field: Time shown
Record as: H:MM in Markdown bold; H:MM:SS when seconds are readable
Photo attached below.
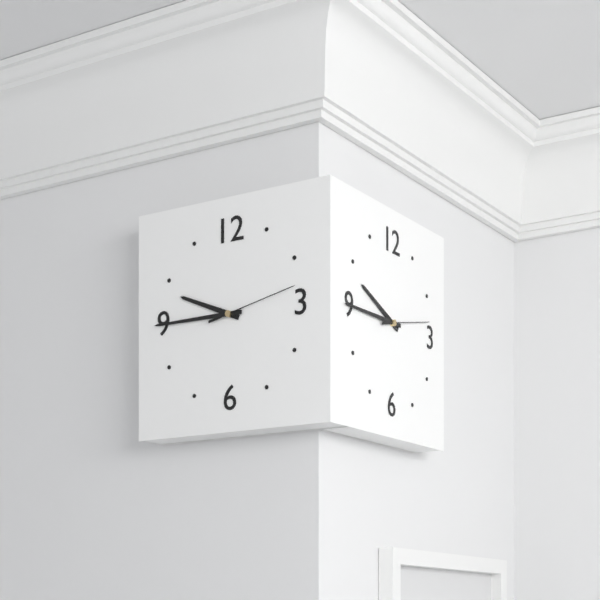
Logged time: **9:45:13**
